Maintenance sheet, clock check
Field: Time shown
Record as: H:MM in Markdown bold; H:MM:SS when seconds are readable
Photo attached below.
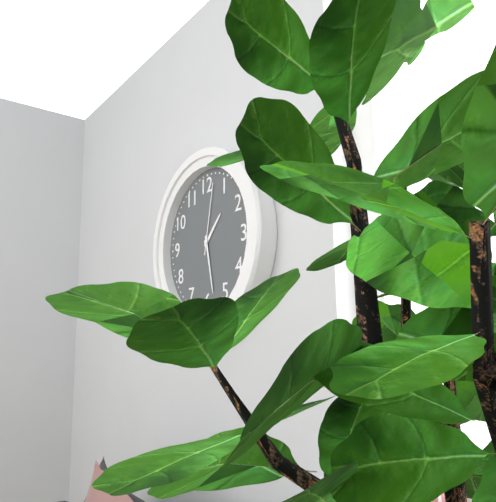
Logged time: **1:28:02**
